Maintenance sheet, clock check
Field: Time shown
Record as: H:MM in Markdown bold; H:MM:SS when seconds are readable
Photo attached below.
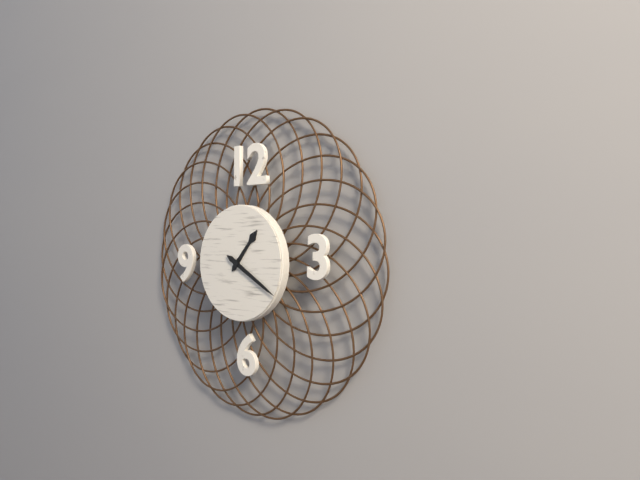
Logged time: **1:20**
